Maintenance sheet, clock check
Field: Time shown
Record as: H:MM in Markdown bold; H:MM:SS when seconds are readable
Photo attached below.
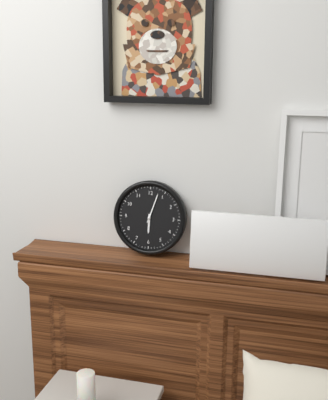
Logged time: **6:03**
